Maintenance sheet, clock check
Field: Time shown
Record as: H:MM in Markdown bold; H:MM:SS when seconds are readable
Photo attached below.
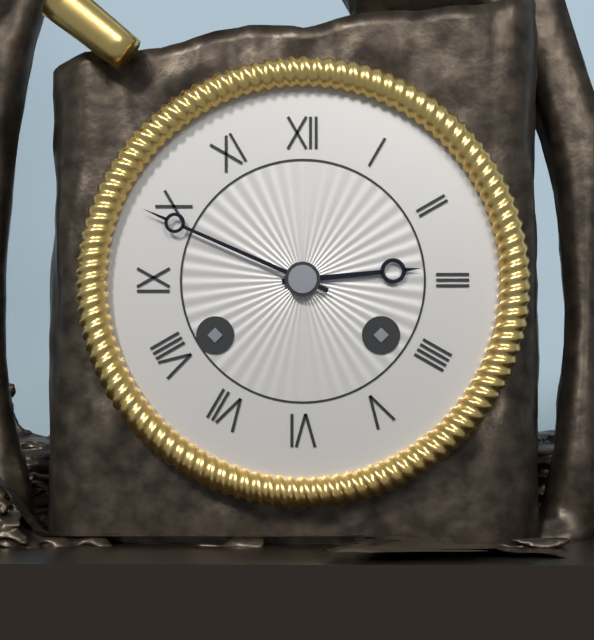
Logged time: **2:49**
